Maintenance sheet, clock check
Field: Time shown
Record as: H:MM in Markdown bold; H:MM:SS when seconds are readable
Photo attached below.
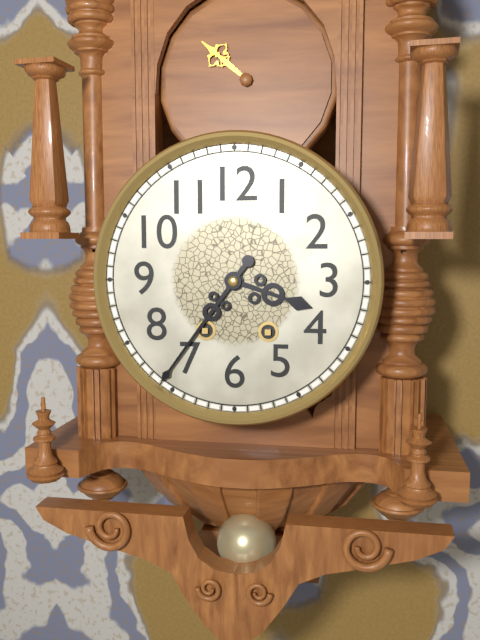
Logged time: **3:36**
